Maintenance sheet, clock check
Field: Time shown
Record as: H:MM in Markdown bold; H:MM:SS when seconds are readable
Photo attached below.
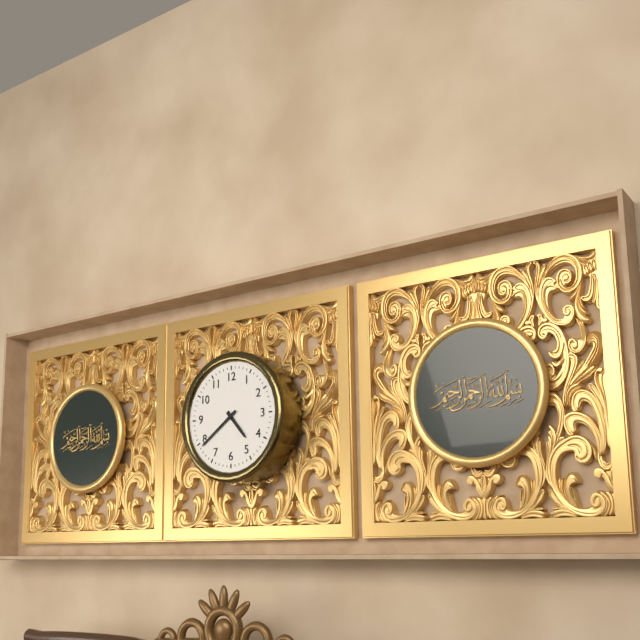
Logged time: **4:39**
